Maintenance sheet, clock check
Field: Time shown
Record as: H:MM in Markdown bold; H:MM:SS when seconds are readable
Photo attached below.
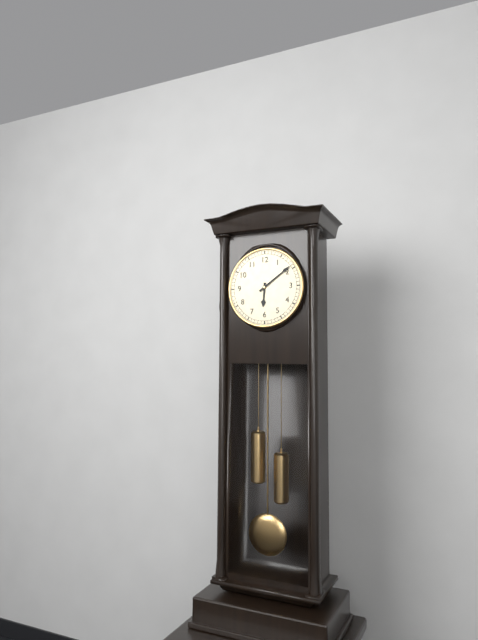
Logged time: **6:09**
